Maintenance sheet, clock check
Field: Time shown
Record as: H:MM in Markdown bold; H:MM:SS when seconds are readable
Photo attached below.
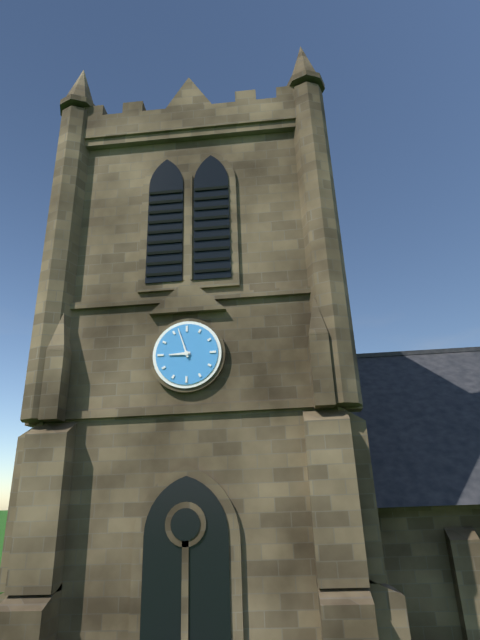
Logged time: **8:57**
